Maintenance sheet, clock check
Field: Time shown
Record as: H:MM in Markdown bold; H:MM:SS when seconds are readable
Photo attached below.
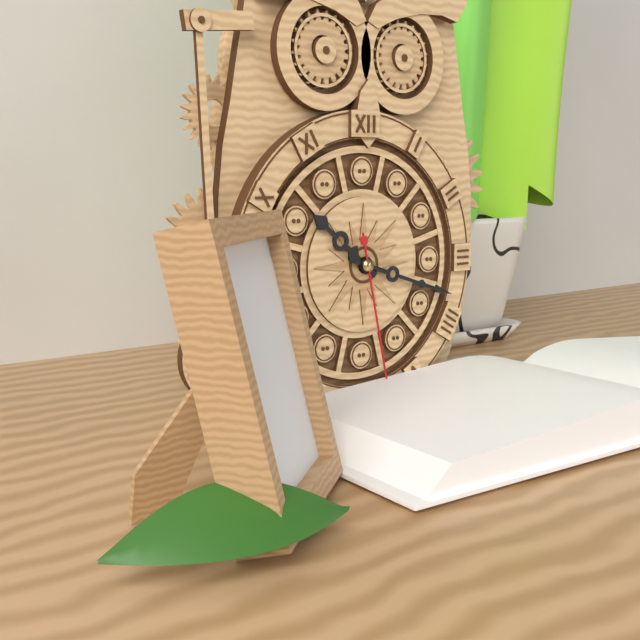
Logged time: **10:18:28**
